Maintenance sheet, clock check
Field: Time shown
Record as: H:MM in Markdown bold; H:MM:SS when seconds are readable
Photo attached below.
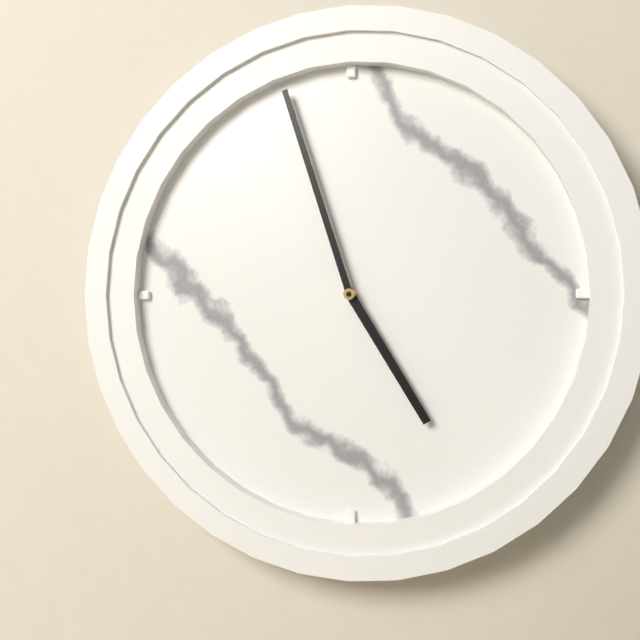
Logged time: **4:57**
